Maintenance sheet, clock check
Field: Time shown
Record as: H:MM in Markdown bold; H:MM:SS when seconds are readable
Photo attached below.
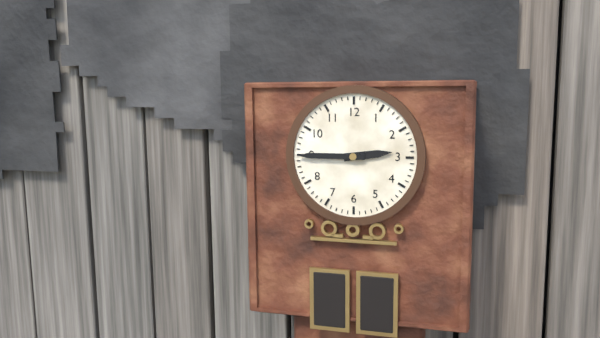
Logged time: **2:45**
